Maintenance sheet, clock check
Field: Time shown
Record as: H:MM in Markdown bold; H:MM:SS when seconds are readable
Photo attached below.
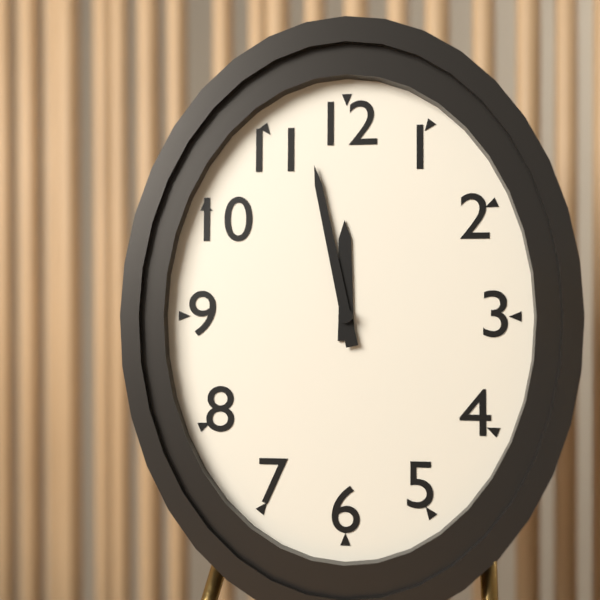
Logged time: **11:58**
